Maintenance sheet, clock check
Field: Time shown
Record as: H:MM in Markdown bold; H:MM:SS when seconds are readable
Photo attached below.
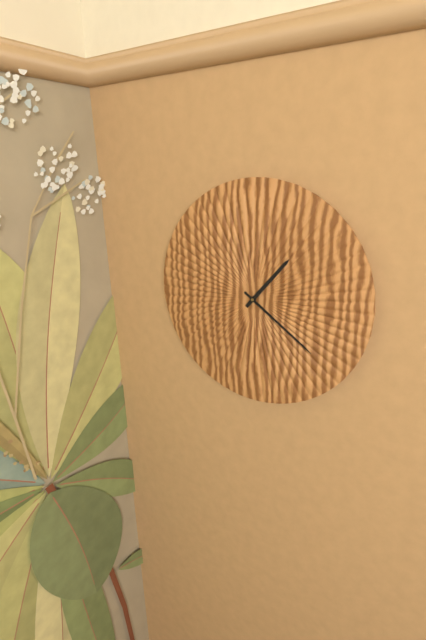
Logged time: **1:21**
